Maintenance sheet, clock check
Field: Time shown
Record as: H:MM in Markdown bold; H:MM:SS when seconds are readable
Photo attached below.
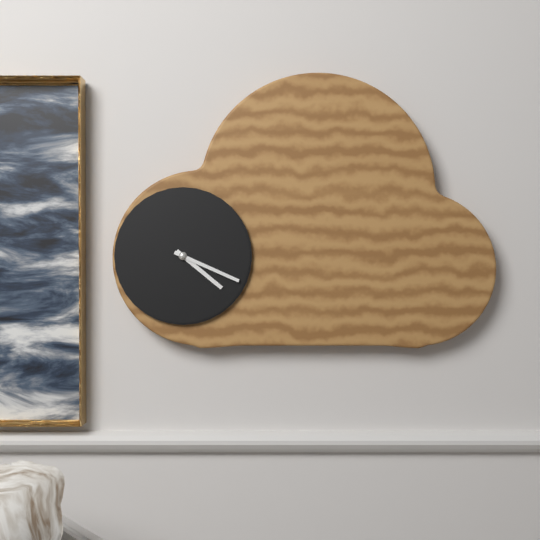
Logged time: **4:19**
